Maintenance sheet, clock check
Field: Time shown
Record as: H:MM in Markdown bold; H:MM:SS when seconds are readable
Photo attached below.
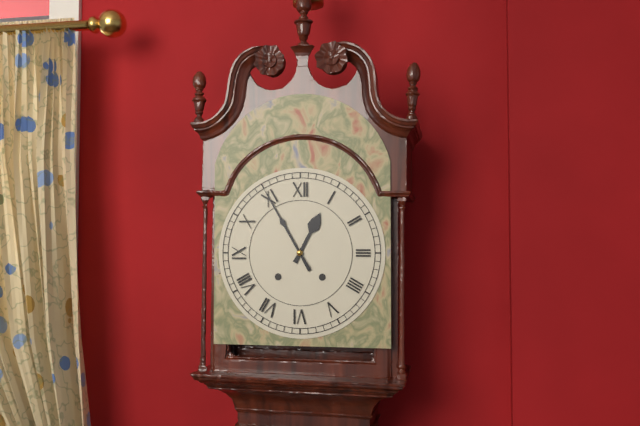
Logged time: **12:55**
